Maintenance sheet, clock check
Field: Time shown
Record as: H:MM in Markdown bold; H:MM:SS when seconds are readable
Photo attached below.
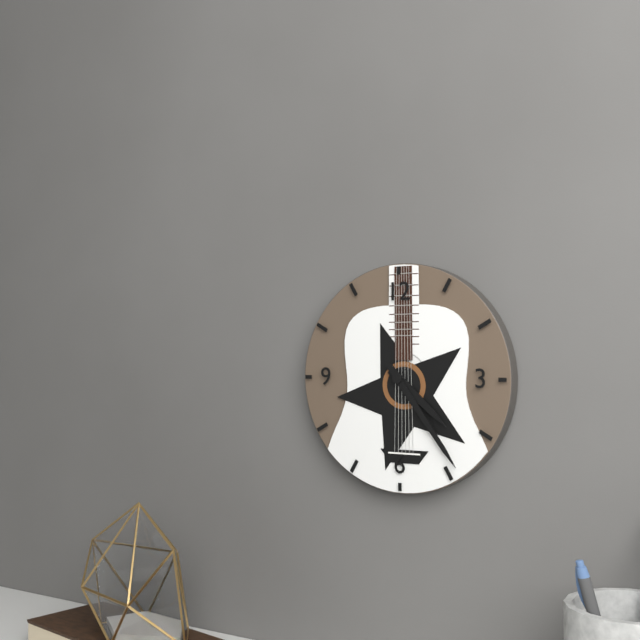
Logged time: **4:24**
